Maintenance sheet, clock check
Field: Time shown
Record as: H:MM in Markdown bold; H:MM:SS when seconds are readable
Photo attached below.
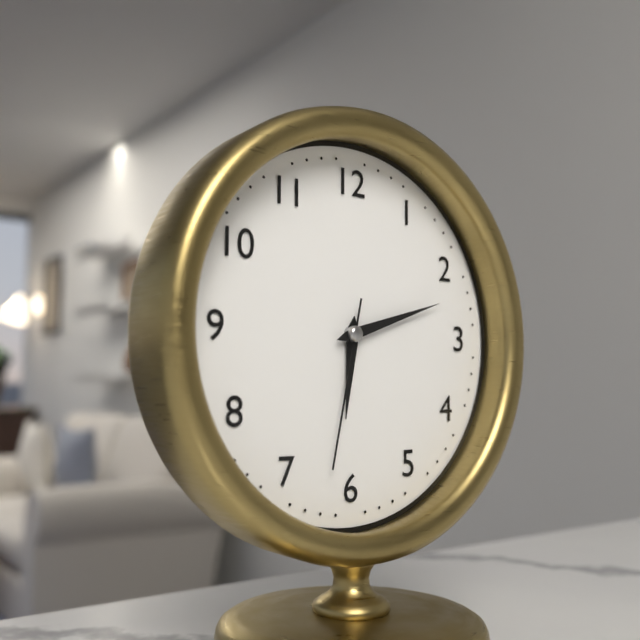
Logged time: **6:12:32**
